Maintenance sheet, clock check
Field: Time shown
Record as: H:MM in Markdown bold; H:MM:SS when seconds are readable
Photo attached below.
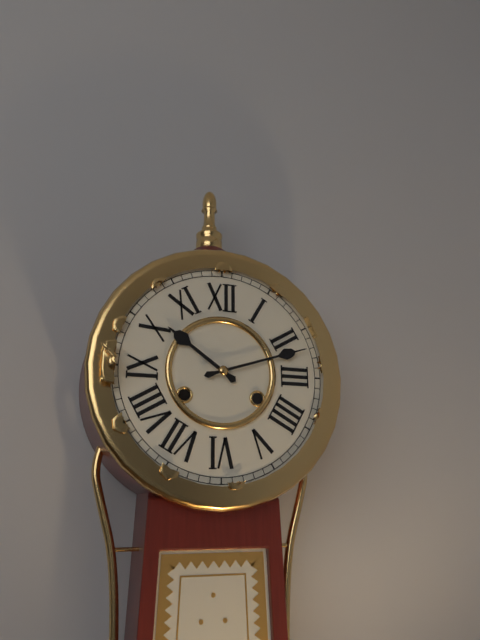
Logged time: **10:12**
